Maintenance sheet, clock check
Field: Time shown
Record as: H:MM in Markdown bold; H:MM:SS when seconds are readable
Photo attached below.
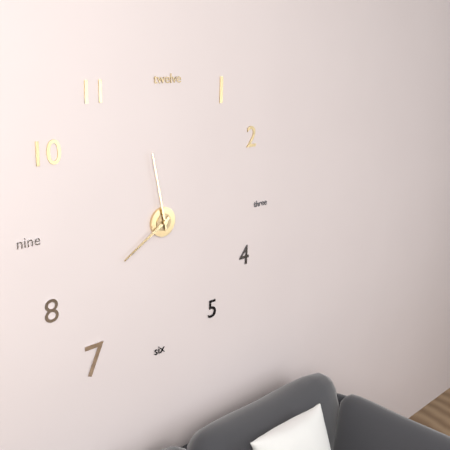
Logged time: **7:58**
